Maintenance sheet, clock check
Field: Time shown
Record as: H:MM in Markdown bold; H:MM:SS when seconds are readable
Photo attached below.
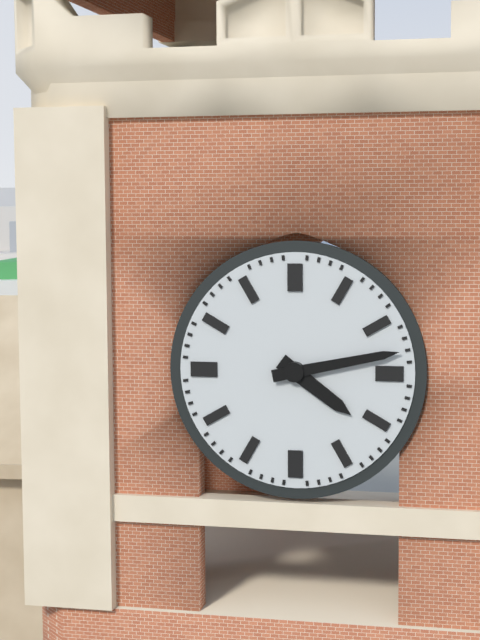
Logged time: **4:13**
